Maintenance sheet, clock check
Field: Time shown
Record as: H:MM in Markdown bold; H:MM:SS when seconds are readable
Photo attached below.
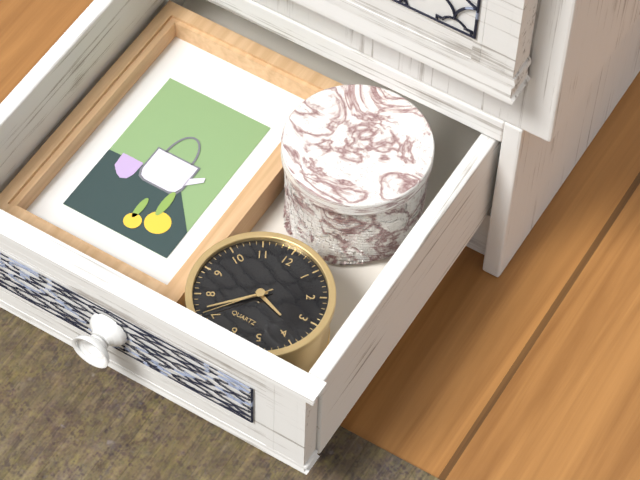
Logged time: **3:37:36**
